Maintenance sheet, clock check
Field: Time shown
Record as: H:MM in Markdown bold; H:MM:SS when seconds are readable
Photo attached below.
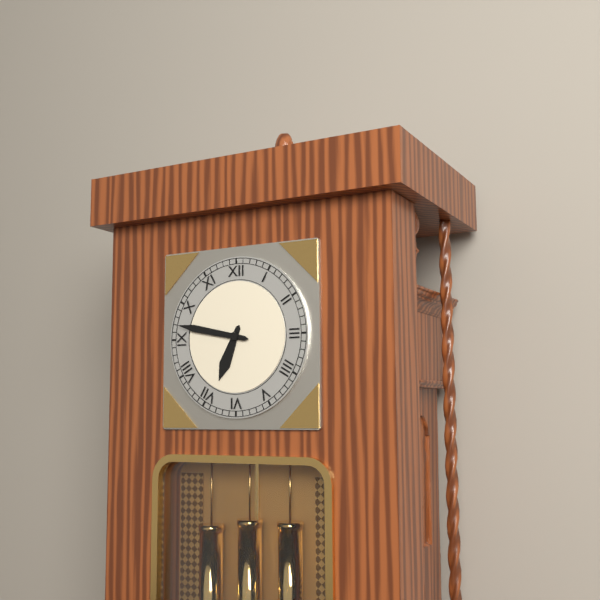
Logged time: **6:47**
